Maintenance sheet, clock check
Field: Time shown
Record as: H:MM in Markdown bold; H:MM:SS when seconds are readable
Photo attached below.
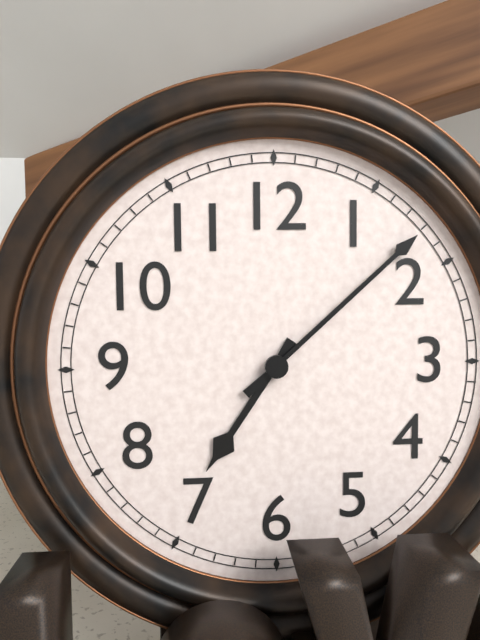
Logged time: **7:08**
